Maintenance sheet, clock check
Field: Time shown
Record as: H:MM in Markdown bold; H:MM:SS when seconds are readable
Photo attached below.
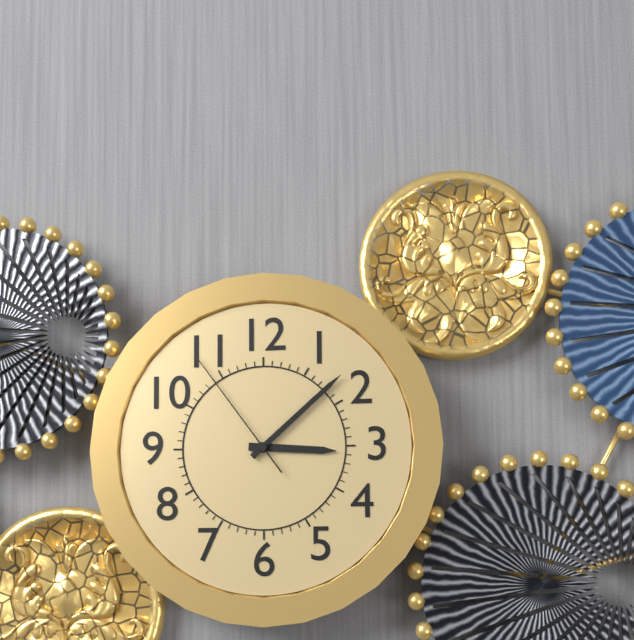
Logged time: **3:08:54**
